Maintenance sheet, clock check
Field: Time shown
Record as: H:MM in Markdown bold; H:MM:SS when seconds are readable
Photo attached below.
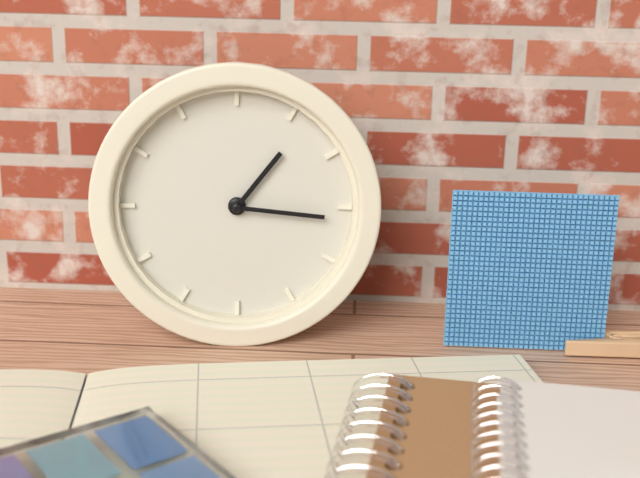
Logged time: **1:16**
